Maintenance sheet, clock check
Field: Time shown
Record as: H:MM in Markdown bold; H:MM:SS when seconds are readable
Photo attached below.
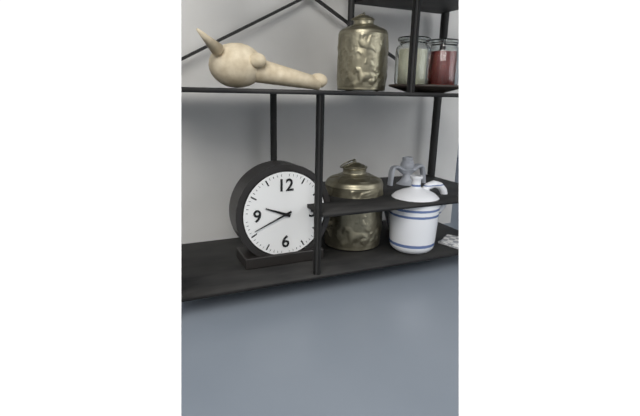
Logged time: **9:41**
